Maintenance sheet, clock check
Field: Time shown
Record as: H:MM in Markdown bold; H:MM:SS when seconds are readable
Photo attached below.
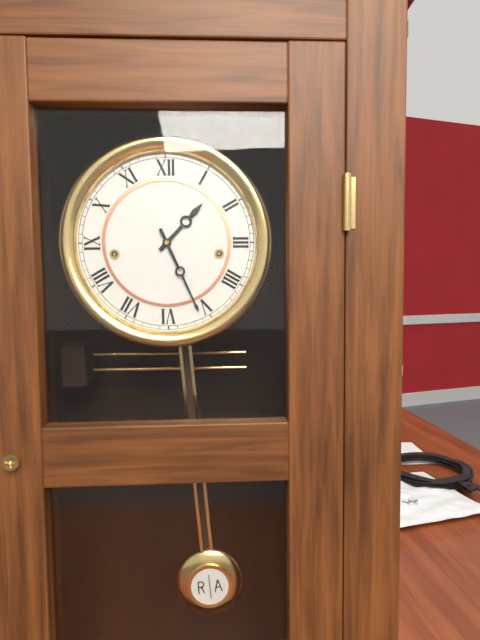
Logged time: **1:26**
